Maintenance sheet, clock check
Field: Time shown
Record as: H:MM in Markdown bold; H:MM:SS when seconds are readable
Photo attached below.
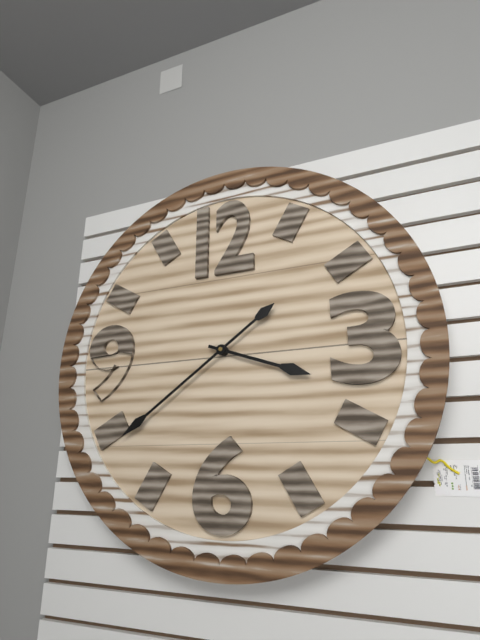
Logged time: **3:39**
